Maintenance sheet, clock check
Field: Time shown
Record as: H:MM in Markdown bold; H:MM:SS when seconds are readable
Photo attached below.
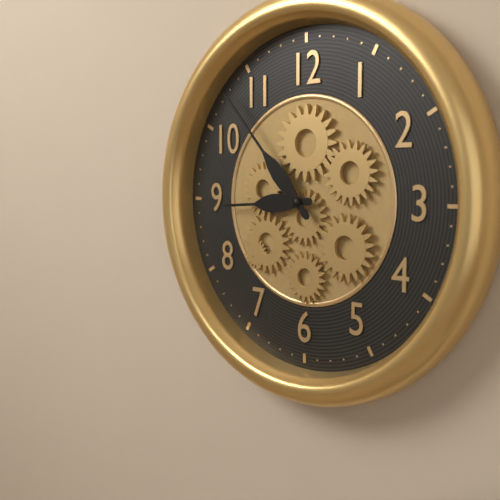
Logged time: **8:53**
